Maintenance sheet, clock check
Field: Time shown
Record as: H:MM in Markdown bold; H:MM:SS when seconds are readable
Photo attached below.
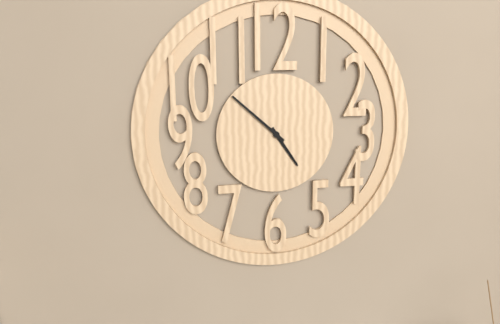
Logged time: **4:52**
